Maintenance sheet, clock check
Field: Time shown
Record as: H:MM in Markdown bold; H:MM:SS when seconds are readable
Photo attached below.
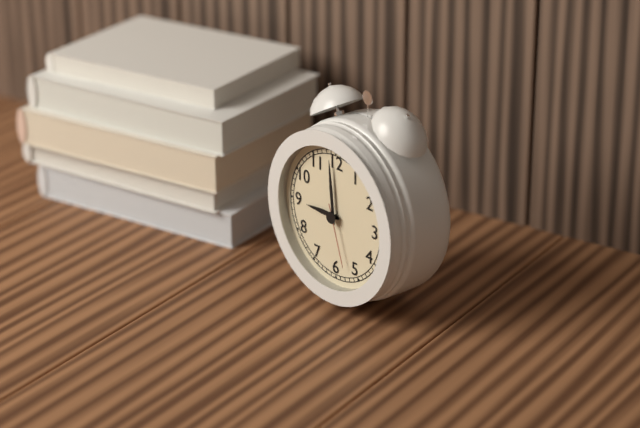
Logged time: **8:59:27**
